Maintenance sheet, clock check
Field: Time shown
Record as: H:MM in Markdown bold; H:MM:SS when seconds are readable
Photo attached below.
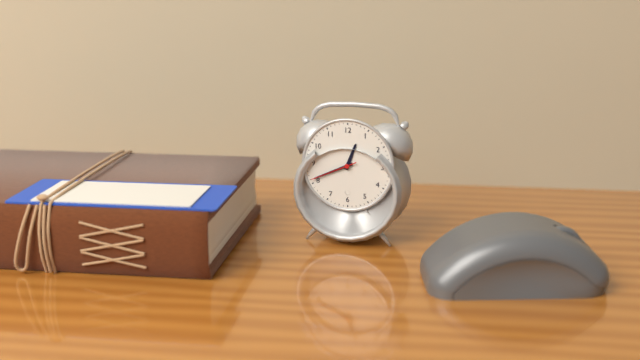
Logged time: **12:41**
